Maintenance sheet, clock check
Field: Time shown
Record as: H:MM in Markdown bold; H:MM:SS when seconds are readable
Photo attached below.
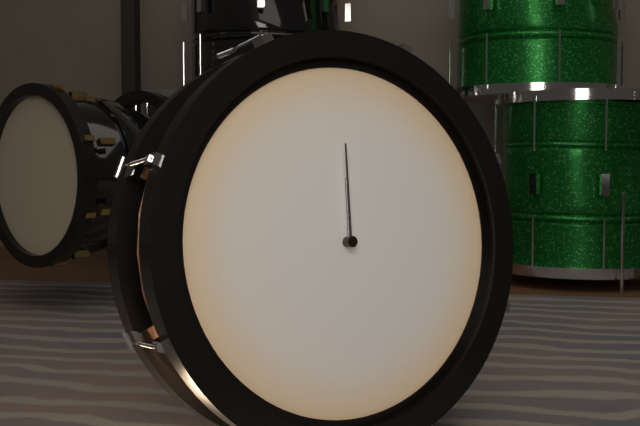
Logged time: **12:00**
